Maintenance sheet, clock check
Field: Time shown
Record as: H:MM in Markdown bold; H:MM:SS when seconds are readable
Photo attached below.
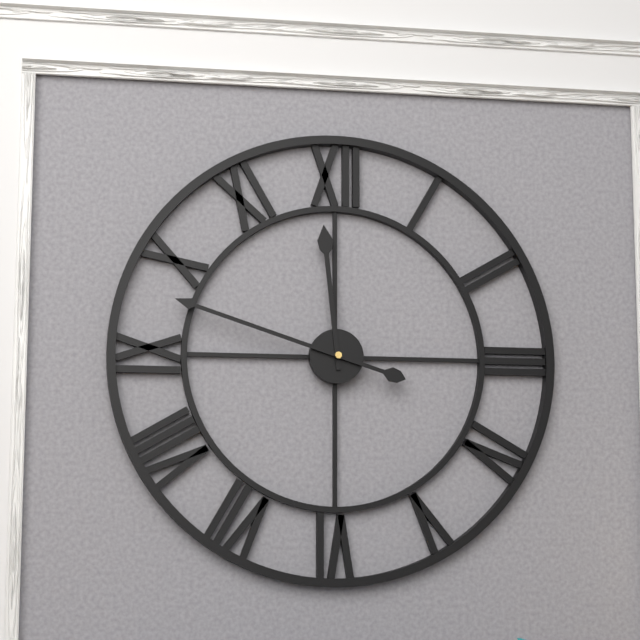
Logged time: **11:48**
